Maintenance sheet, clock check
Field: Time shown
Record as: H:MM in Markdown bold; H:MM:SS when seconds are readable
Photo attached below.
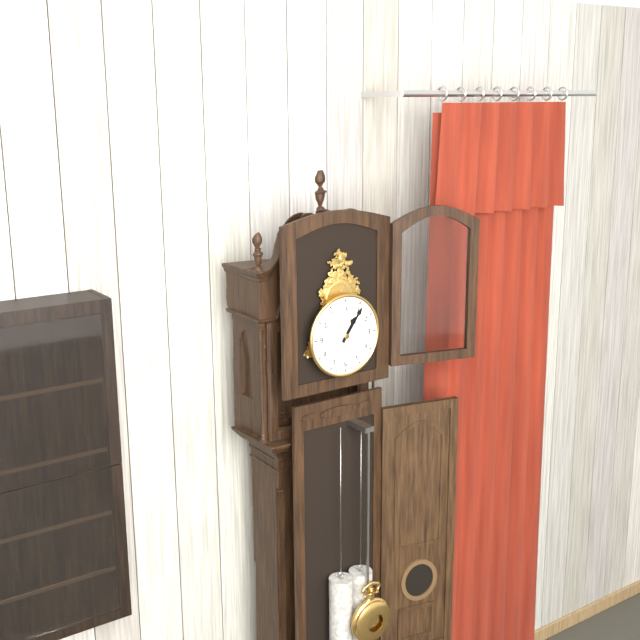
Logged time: **1:06**
